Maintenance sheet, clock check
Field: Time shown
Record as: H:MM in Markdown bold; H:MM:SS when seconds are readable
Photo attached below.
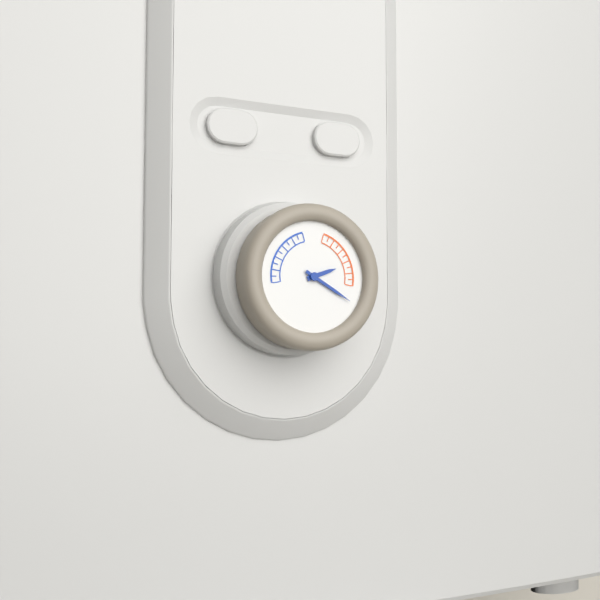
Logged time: **2:20**
